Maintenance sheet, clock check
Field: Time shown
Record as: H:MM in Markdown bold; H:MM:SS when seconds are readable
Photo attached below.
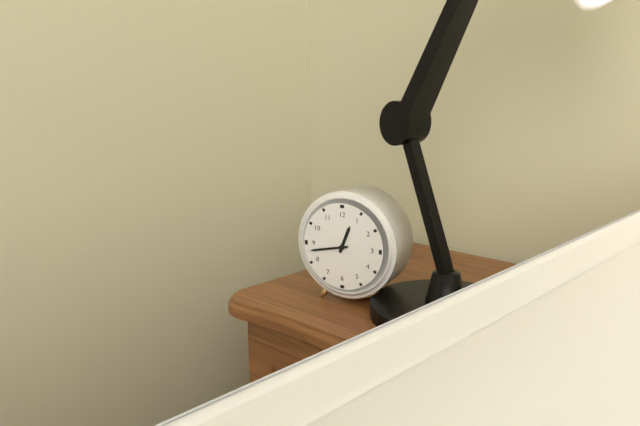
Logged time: **12:43**
